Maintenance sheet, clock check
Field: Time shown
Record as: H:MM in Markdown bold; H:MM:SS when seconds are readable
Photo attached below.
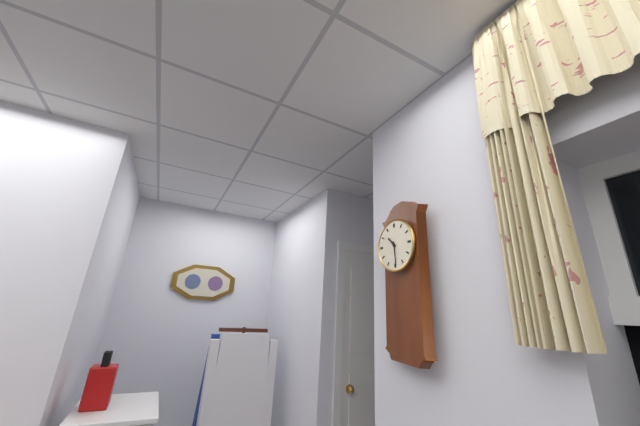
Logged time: **10:29**
